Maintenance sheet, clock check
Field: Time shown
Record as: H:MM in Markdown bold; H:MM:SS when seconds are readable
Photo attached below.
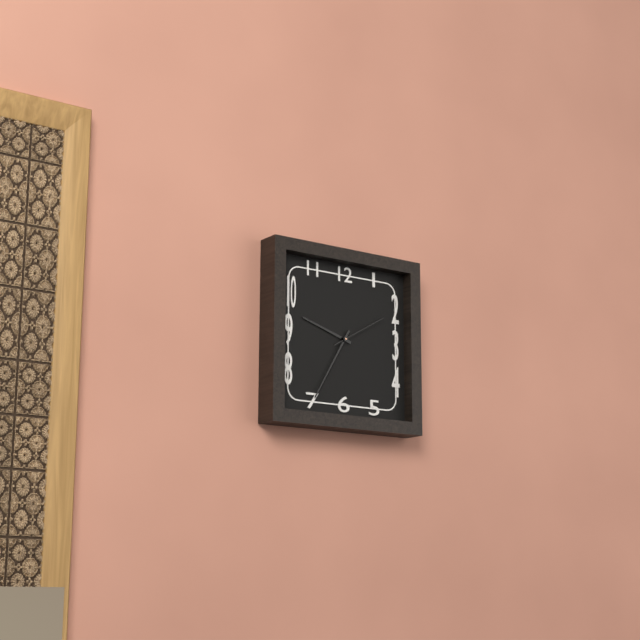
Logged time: **9:35:10**
